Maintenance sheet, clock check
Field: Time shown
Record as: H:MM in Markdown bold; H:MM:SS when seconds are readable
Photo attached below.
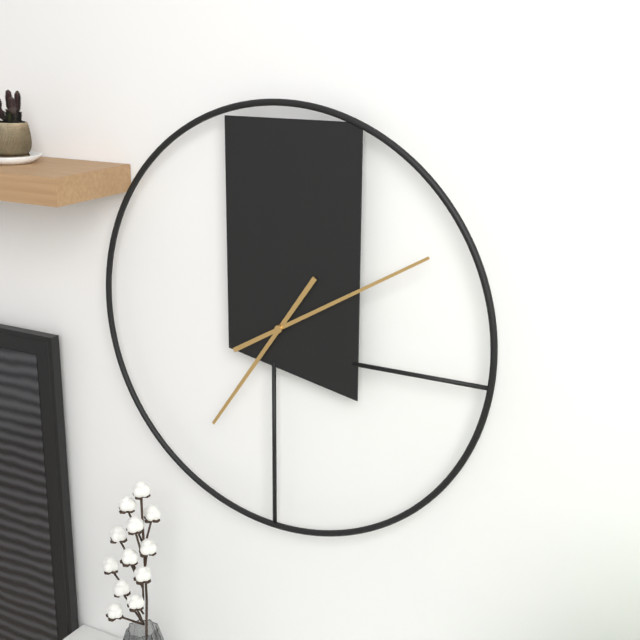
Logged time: **7:10**
